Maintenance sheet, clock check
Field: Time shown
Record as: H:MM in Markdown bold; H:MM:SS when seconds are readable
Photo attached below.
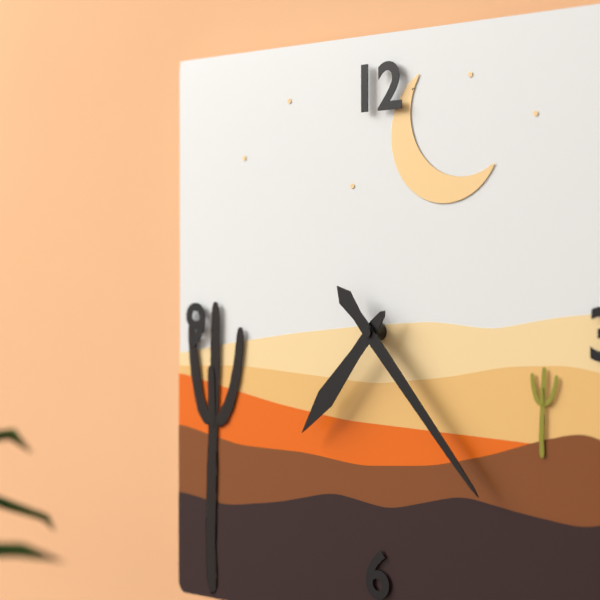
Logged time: **7:23**
